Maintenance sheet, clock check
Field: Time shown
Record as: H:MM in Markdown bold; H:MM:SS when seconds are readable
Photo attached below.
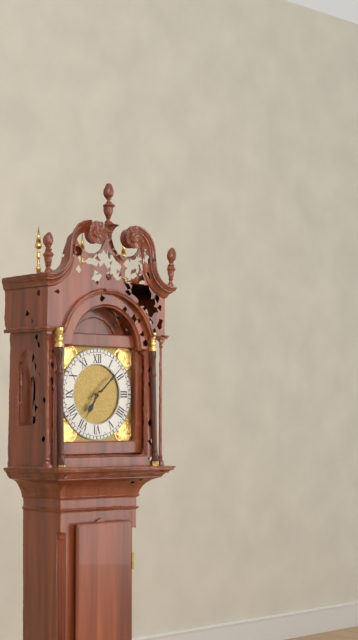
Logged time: **7:08**
